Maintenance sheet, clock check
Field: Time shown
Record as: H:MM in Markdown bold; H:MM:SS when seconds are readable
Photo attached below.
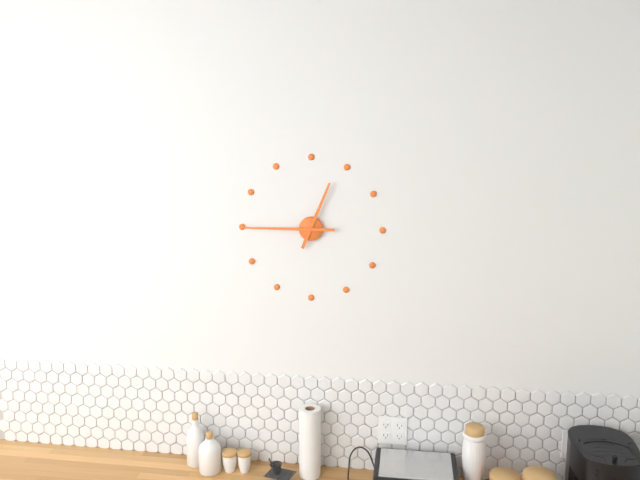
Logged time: **12:45**
